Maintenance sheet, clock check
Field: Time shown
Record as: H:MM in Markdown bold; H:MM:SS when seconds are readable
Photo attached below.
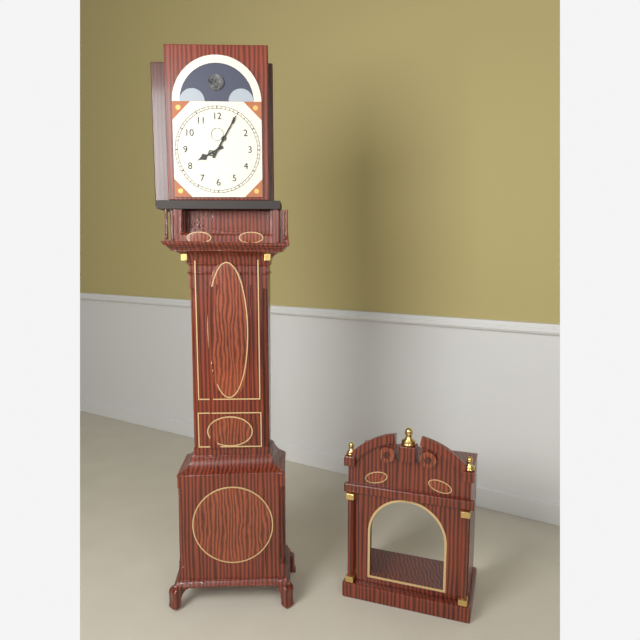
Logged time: **8:05**
